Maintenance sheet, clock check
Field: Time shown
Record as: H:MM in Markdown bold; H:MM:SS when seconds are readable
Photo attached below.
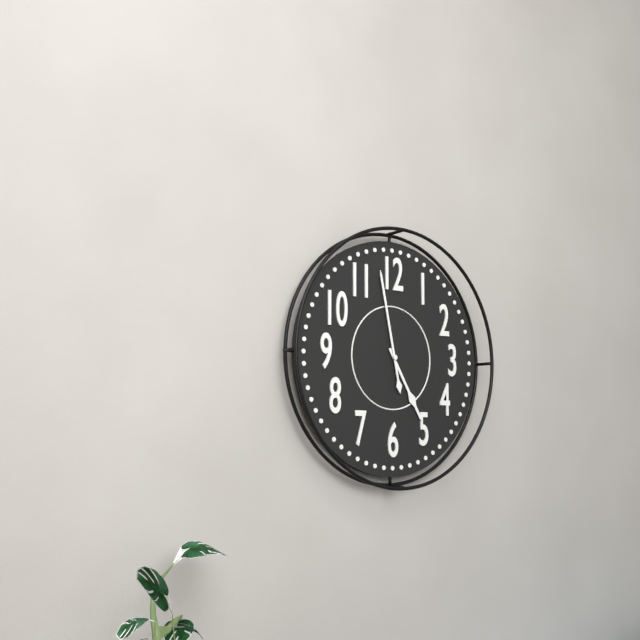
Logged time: **4:58**
